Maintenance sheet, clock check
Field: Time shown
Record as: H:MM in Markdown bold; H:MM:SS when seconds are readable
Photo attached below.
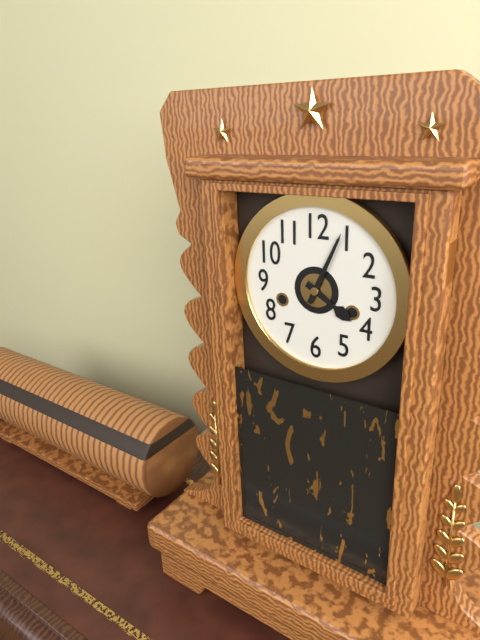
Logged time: **4:04**
